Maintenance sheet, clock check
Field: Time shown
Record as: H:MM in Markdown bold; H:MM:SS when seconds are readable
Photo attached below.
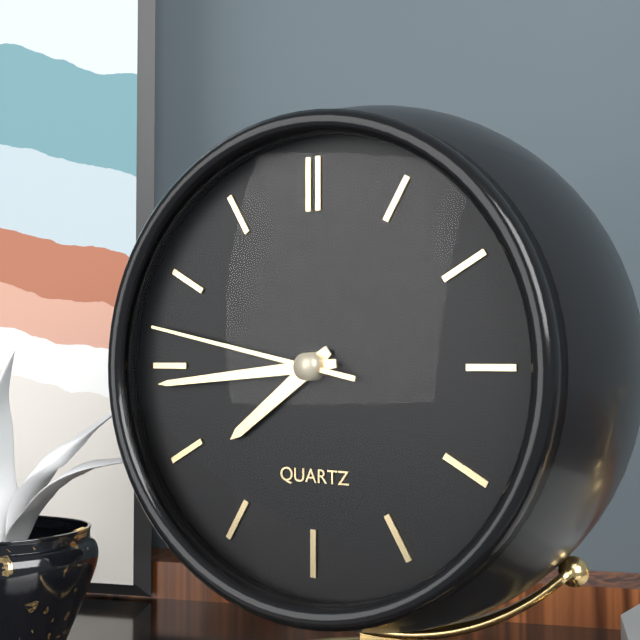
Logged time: **7:44:47**
